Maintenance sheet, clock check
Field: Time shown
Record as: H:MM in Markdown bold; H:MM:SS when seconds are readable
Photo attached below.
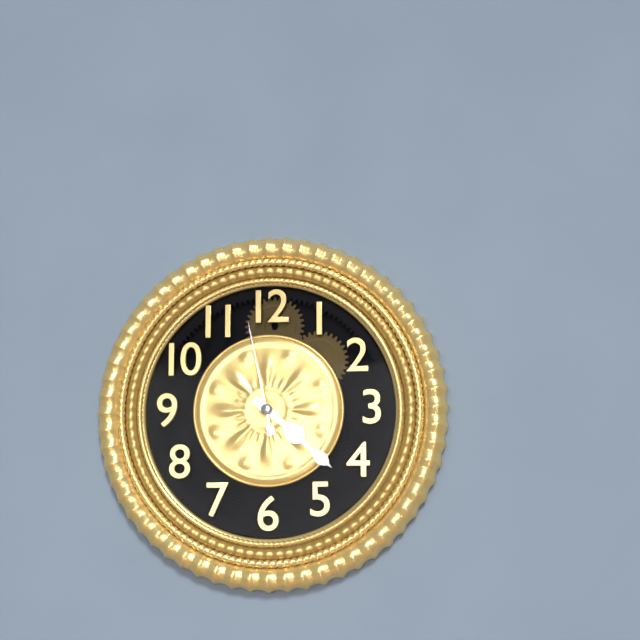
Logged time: **4:22:58**
